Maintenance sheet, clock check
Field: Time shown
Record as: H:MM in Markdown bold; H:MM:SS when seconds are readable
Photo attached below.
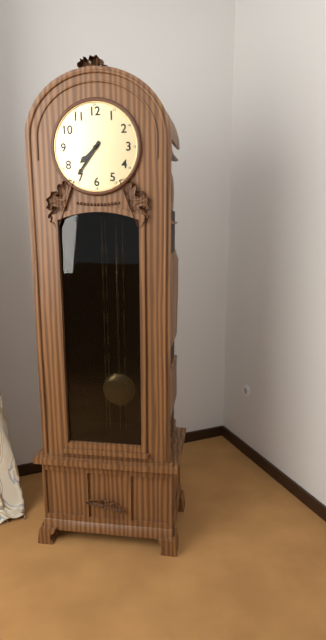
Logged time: **7:36**
